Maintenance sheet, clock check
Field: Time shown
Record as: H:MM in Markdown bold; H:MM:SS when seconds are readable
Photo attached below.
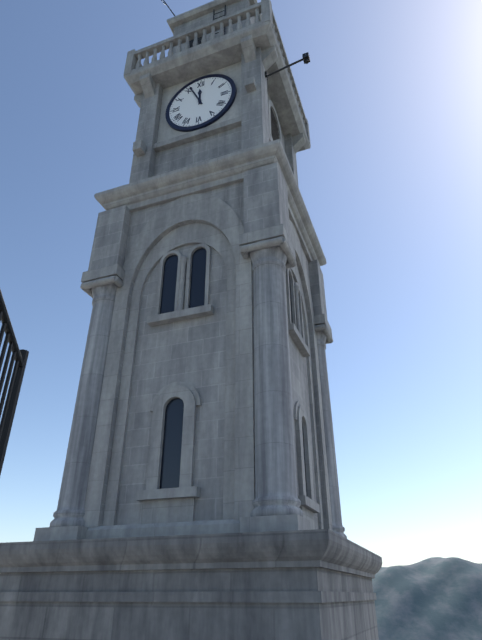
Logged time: **11:56**
